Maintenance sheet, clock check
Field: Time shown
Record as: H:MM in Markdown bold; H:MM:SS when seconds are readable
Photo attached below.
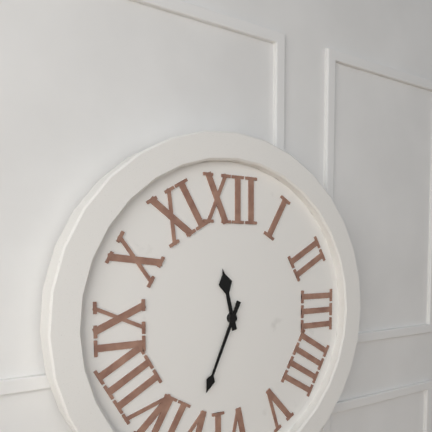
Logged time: **11:34**
